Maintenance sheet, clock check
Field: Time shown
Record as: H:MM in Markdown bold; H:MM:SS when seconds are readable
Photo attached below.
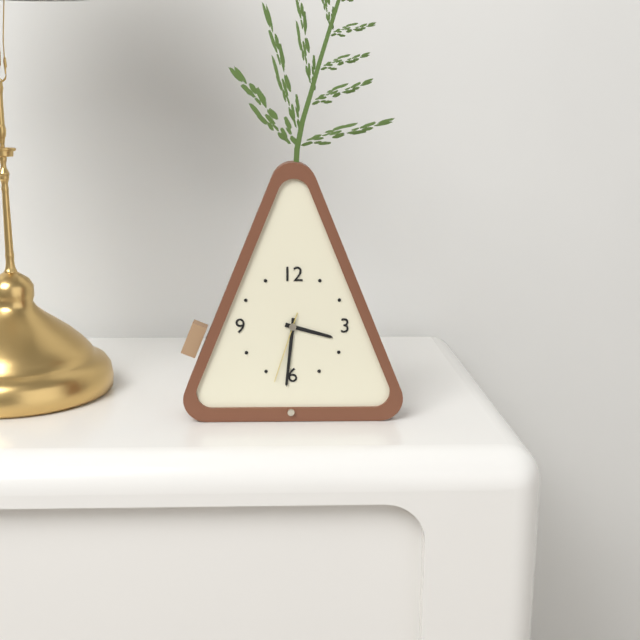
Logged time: **3:31:33**
